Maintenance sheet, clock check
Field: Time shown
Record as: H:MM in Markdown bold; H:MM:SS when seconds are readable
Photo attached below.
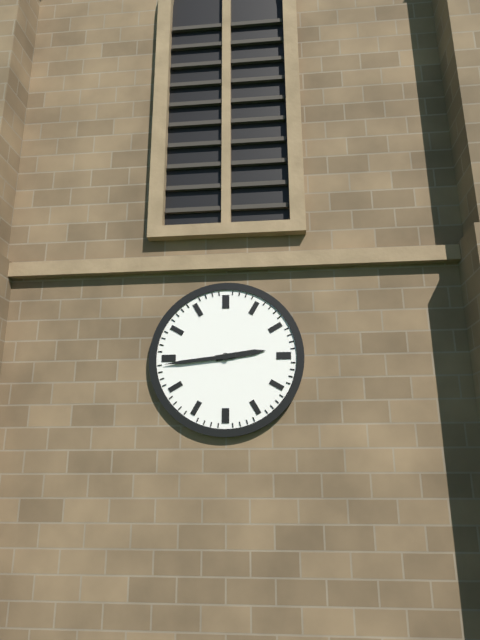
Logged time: **2:44**
